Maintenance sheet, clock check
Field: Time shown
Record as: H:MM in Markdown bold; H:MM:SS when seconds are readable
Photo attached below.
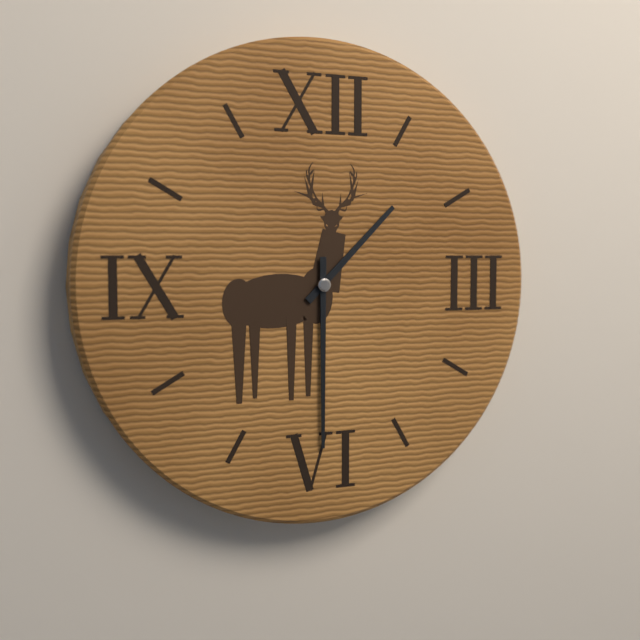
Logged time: **1:30**
